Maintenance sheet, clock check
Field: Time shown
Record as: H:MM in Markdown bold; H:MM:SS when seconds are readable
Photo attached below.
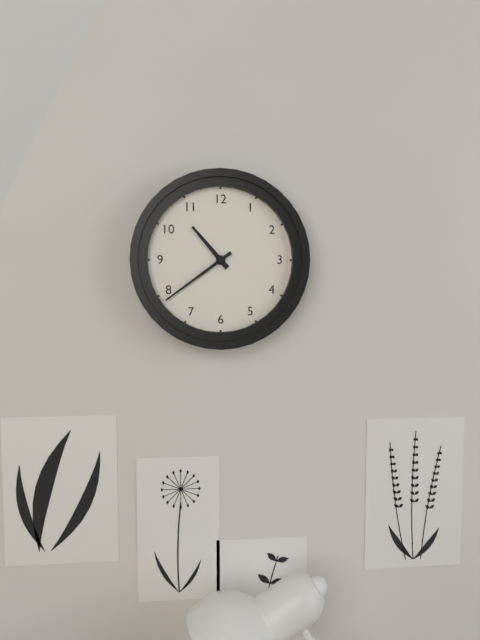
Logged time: **10:39**
